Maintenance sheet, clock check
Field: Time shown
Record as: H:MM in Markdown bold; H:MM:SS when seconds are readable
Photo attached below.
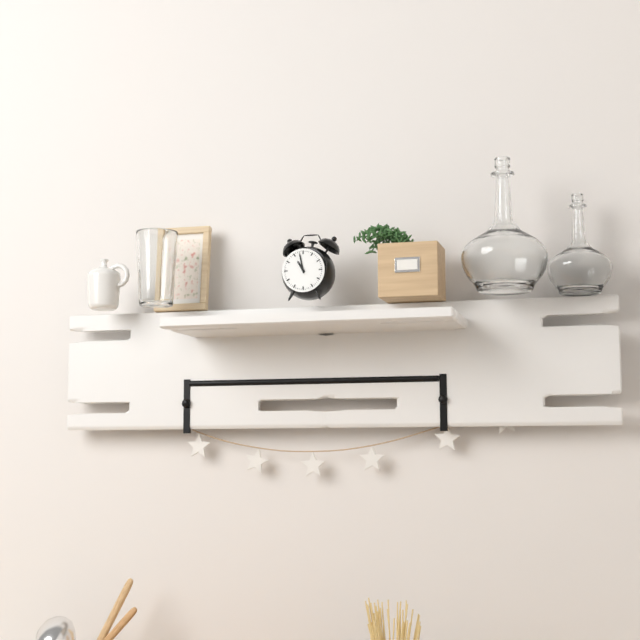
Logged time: **10:58**
